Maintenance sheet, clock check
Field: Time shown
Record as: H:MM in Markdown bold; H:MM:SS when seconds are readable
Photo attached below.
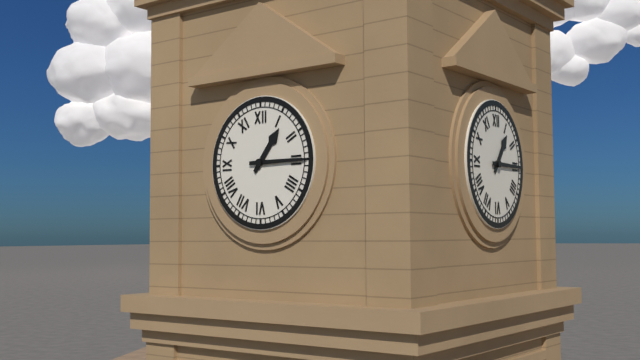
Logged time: **1:15**
